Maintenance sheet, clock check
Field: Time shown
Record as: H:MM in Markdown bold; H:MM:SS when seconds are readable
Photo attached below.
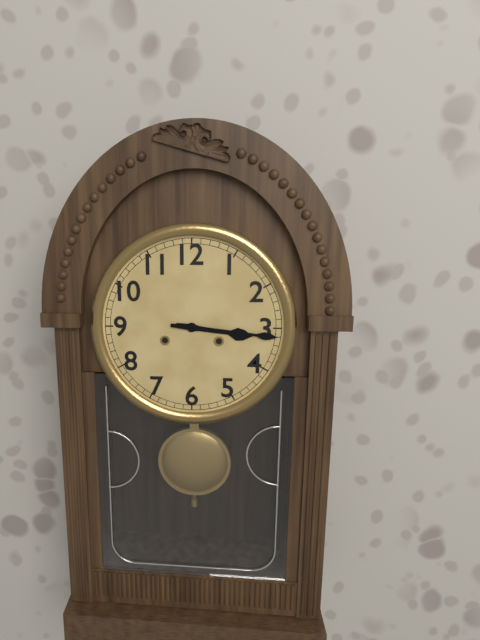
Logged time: **3:16**
